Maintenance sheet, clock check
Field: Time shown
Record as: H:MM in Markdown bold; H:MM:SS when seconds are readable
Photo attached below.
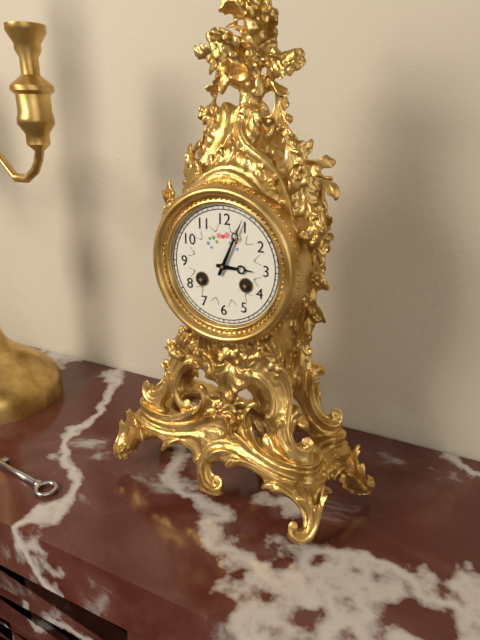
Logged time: **3:04**
